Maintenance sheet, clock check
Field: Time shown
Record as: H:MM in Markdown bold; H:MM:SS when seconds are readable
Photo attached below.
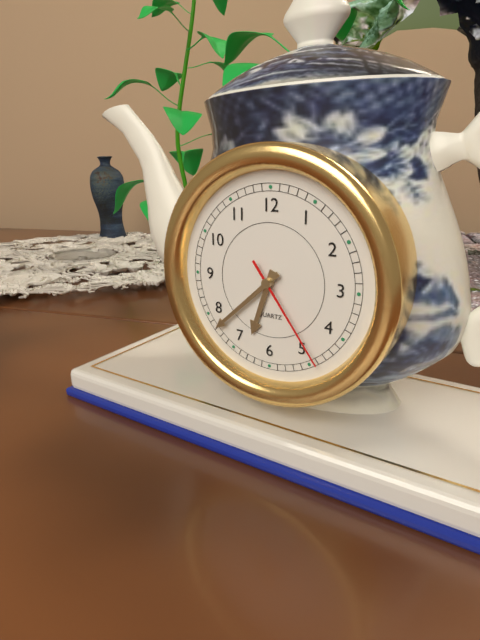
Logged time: **6:38:24**
